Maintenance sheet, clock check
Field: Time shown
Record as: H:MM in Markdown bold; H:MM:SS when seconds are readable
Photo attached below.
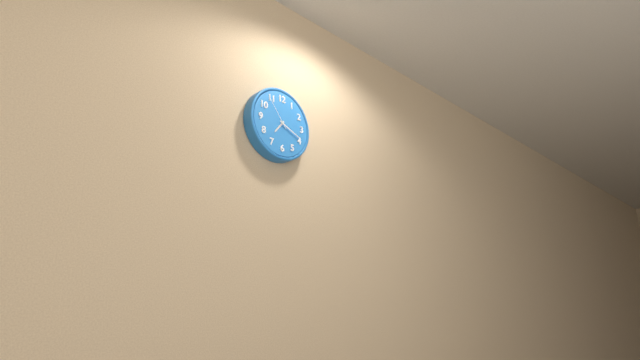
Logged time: **7:19**
